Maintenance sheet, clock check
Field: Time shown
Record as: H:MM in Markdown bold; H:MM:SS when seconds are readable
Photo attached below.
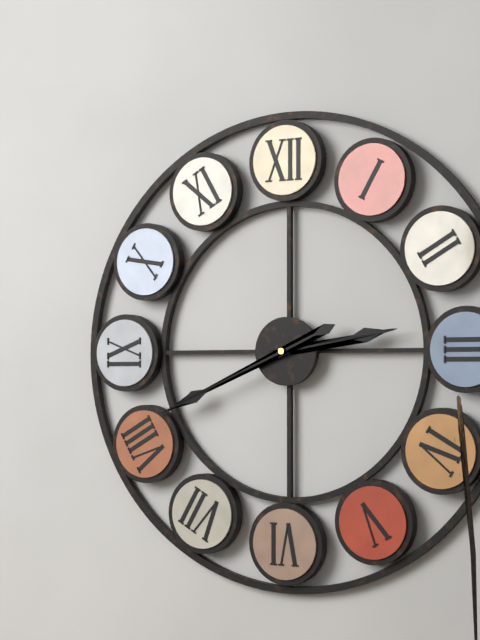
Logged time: **2:41**
